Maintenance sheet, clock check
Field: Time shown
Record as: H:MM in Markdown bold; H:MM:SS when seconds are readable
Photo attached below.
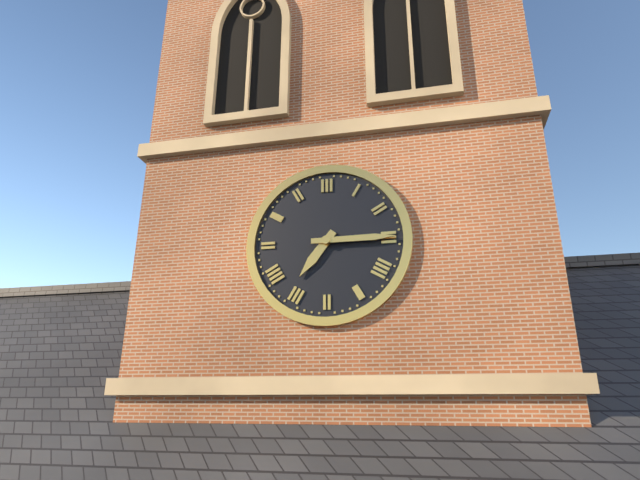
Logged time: **7:15**
